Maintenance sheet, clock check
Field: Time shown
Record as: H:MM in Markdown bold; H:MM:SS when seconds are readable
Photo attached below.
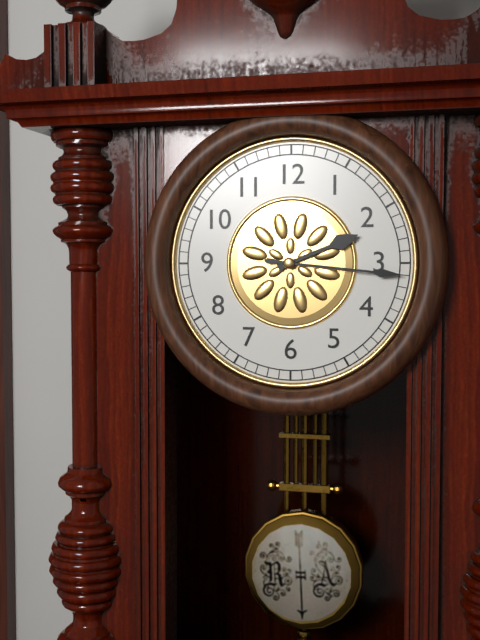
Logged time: **2:16**
